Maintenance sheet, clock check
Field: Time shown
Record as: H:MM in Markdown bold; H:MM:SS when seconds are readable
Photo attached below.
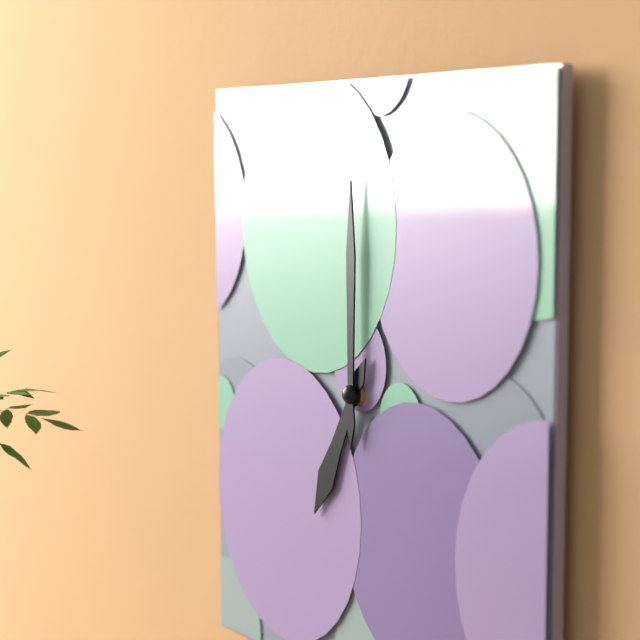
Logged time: **7:00**
